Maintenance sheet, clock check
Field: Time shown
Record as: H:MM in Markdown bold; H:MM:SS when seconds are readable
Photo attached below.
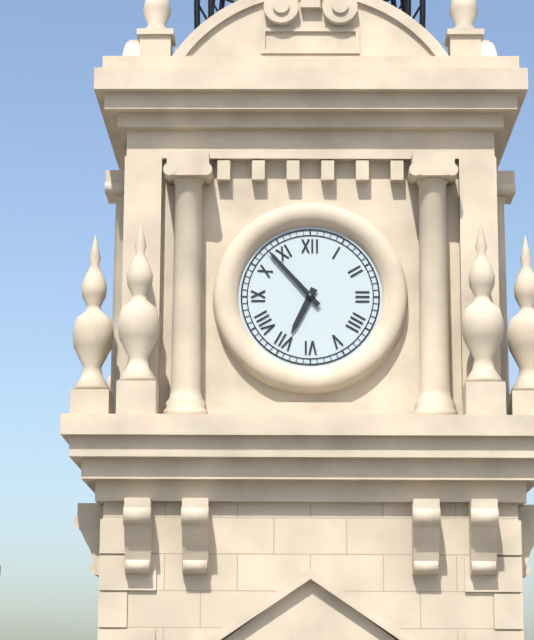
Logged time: **6:53**
